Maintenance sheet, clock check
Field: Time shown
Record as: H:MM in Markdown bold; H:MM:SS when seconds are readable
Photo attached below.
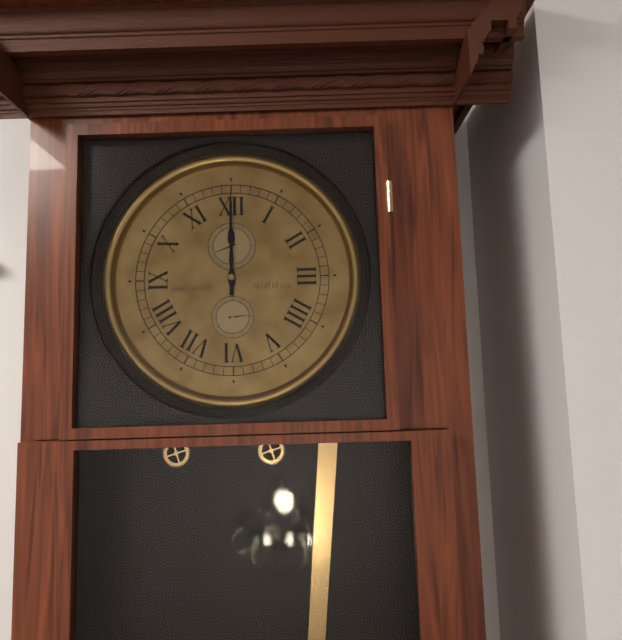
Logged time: **12:00**
